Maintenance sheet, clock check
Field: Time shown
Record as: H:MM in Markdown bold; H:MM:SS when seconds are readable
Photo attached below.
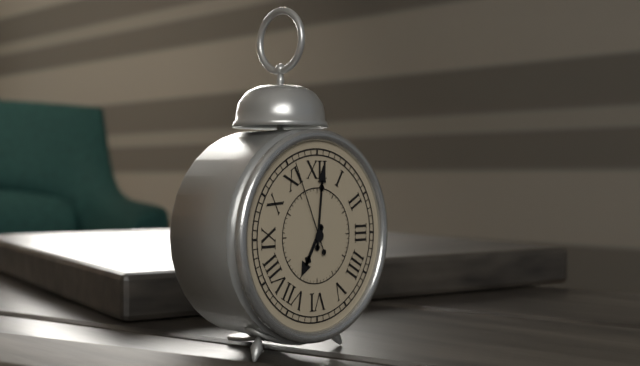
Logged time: **7:01:56**
